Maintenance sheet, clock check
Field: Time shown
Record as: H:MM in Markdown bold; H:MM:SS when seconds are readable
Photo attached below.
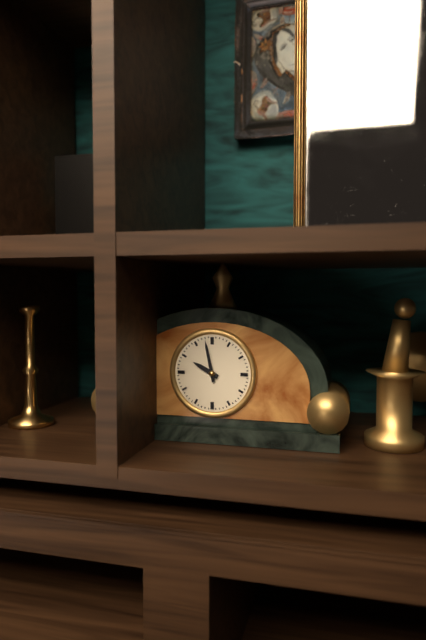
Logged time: **9:58**
